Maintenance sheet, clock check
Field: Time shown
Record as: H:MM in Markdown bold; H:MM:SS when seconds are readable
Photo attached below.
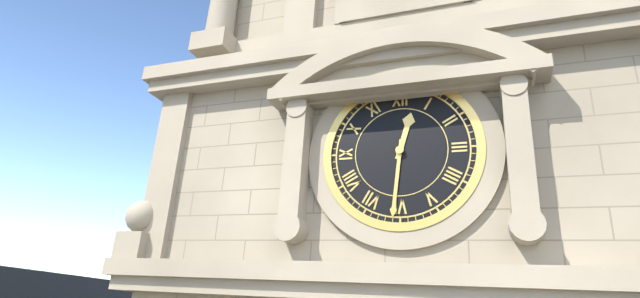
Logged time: **12:31**
